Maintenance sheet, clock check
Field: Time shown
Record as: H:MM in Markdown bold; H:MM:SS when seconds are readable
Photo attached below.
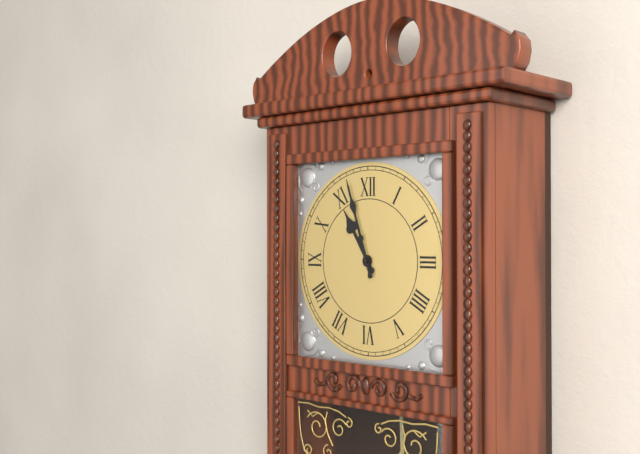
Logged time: **10:57**
